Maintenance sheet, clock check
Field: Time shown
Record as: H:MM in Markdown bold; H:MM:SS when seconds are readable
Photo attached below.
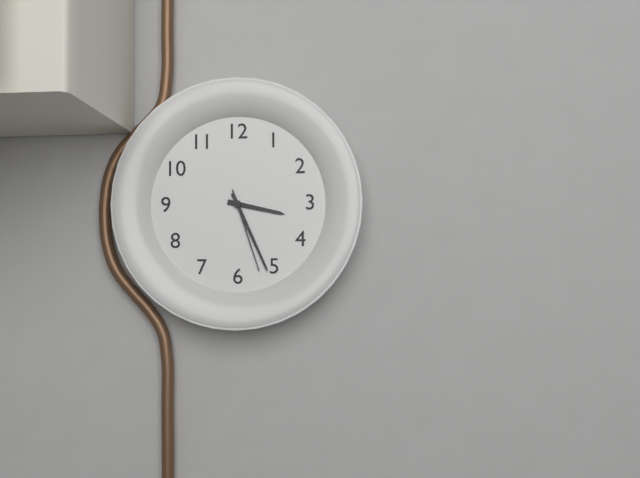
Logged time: **3:26:27**
